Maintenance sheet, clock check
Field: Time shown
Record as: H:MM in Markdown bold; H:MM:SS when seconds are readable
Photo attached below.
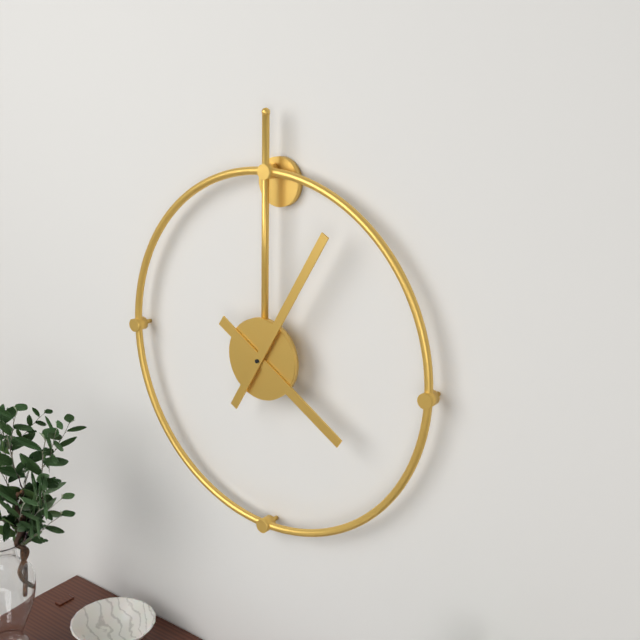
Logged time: **4:05**
